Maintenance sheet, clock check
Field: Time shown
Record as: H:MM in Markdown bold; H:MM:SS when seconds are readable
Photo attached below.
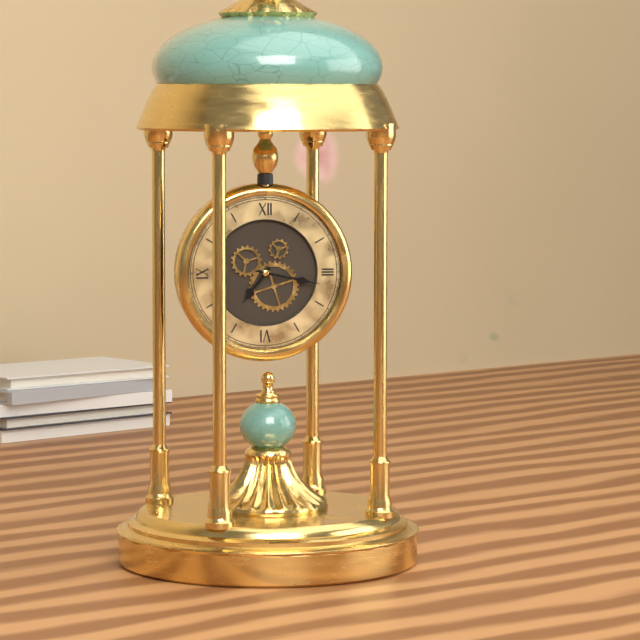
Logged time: **7:17**
